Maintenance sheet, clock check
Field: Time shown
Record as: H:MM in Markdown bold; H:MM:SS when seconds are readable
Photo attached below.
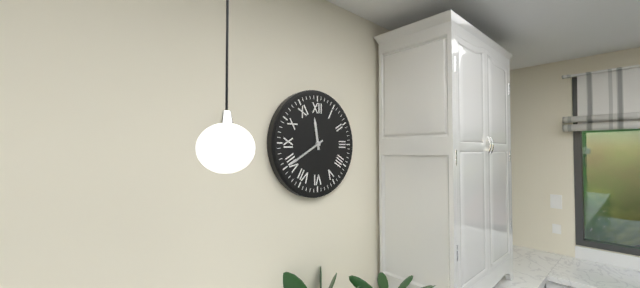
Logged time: **11:40**
